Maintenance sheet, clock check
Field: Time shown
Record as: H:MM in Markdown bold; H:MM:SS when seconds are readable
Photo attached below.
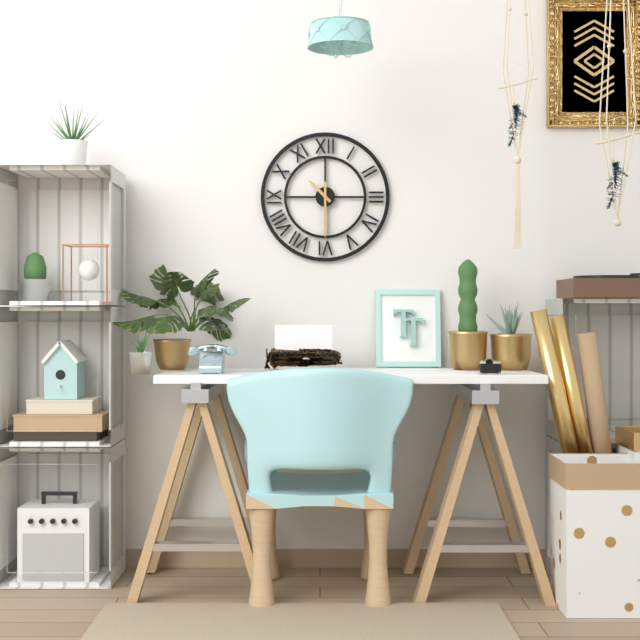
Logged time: **10:30**
